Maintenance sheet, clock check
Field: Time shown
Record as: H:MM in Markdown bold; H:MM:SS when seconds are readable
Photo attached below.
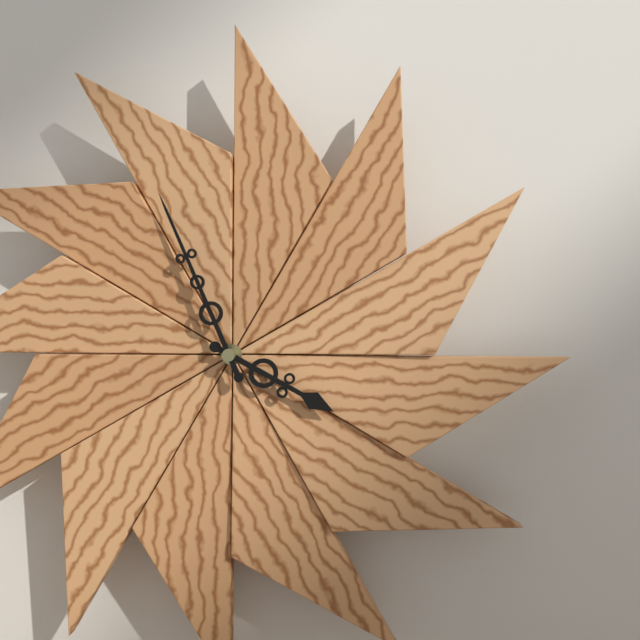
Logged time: **3:56**
